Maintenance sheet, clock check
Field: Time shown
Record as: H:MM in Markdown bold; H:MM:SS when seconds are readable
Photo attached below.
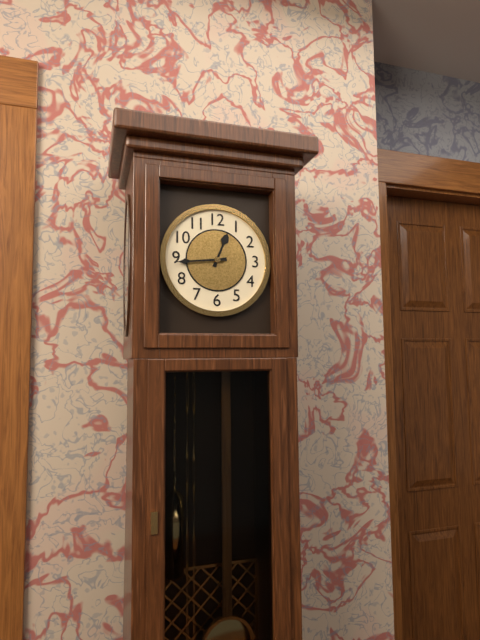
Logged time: **12:44**
